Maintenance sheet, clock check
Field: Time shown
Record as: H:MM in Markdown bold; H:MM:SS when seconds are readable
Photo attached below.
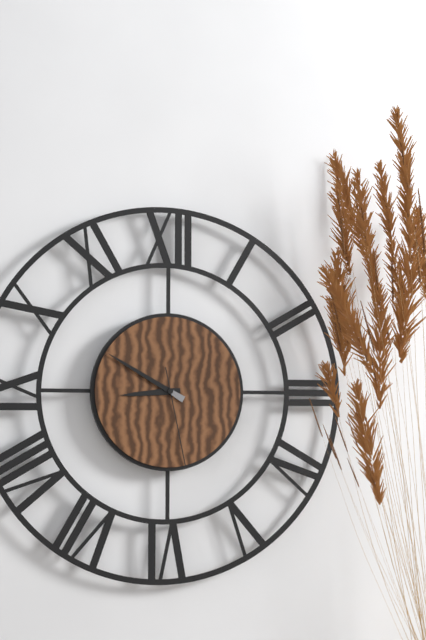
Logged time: **8:50:28**
